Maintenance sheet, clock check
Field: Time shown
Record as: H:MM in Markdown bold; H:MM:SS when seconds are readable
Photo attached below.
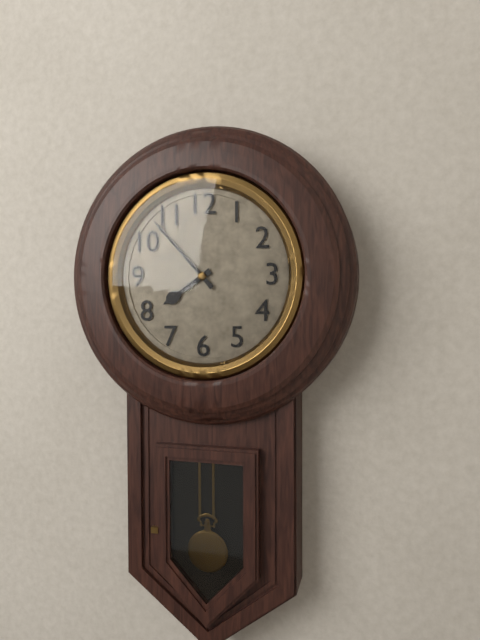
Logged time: **7:53**
